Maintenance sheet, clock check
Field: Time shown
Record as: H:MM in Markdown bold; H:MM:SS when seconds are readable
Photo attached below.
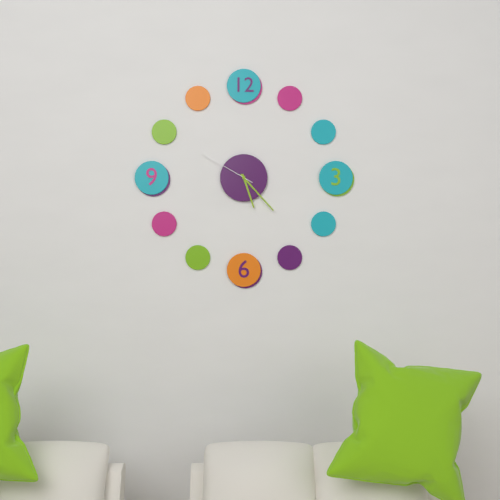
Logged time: **5:23:50**
